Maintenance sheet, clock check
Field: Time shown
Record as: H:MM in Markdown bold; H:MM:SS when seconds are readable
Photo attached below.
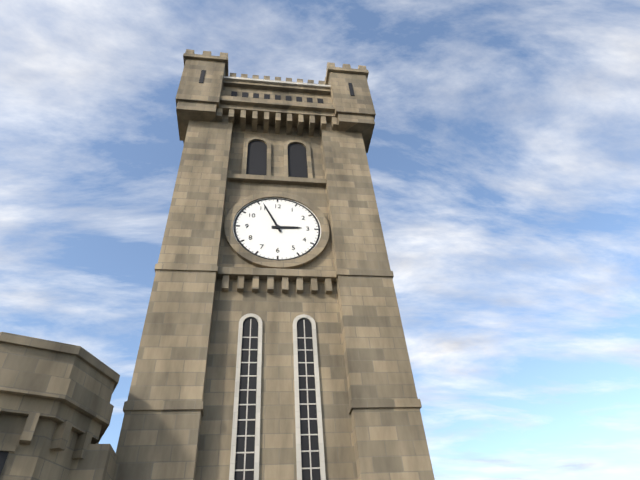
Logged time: **2:56**
